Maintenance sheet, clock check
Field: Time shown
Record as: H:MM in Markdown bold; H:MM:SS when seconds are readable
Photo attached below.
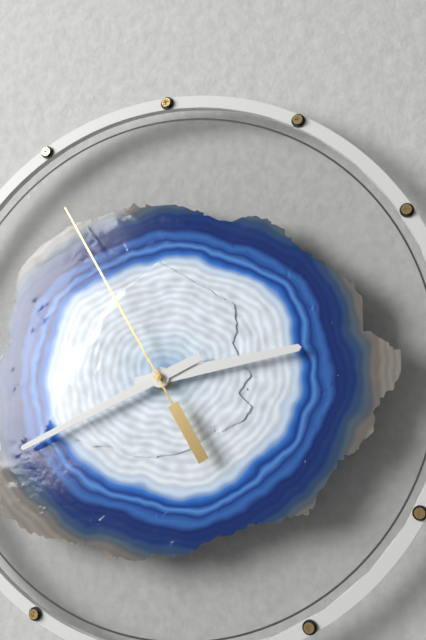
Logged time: **2:41:55**
